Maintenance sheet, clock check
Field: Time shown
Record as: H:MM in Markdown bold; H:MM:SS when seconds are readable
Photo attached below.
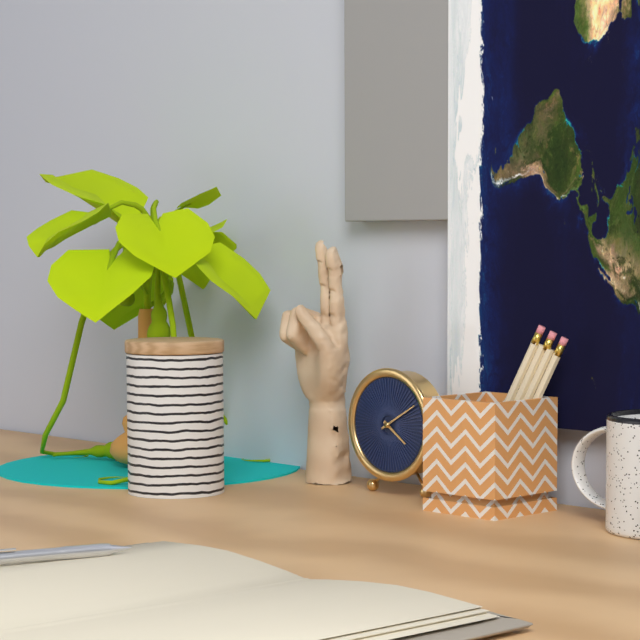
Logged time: **4:10**
